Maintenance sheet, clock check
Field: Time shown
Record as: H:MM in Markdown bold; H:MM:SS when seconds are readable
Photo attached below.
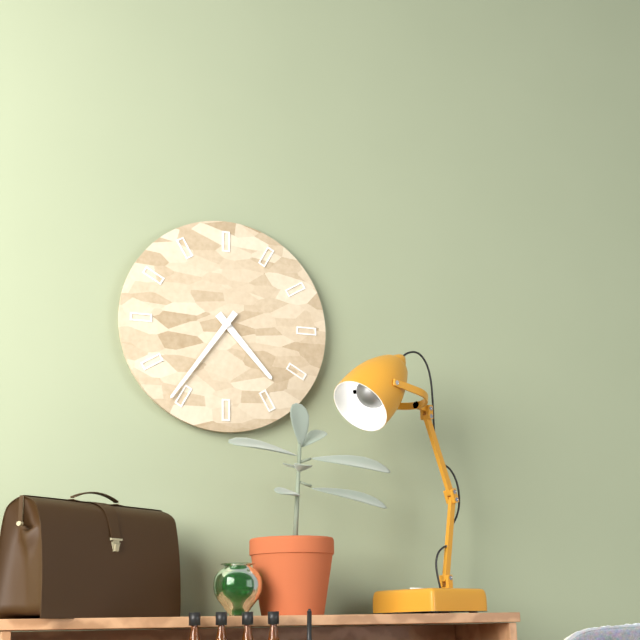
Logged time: **4:36**
